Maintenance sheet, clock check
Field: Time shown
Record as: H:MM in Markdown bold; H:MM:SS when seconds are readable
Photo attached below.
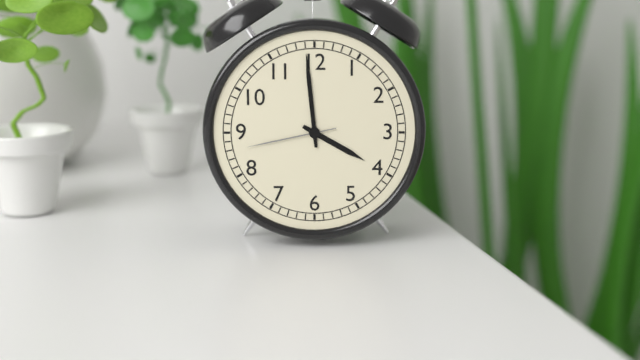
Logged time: **3:59:43**
